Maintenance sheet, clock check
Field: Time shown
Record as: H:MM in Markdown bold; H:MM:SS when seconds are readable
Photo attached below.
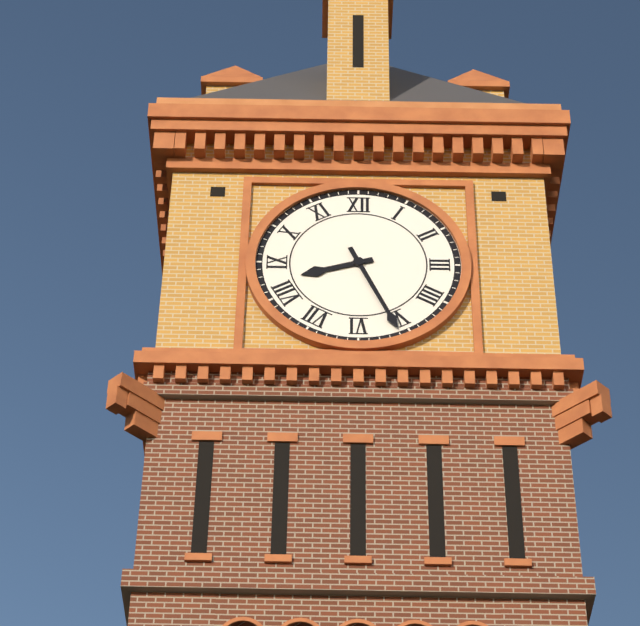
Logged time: **8:26**
